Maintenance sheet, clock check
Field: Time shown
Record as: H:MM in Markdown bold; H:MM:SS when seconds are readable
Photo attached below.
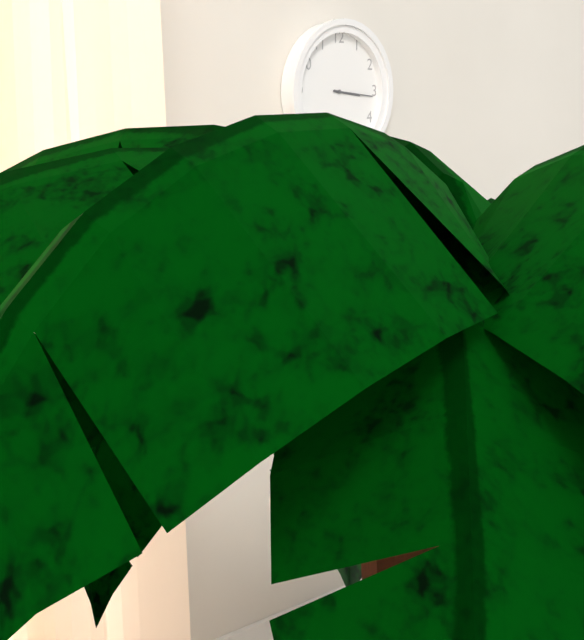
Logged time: **3:16**
